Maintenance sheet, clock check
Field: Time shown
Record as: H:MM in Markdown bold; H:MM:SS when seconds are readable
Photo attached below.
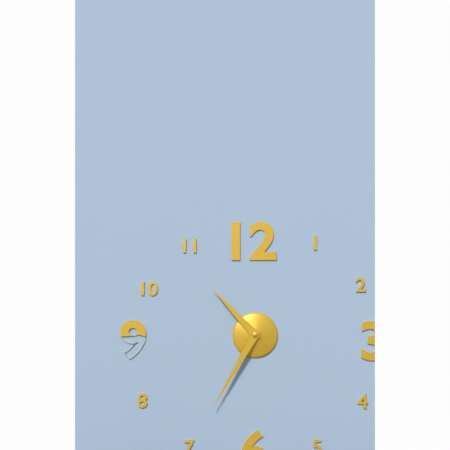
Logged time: **10:35**
